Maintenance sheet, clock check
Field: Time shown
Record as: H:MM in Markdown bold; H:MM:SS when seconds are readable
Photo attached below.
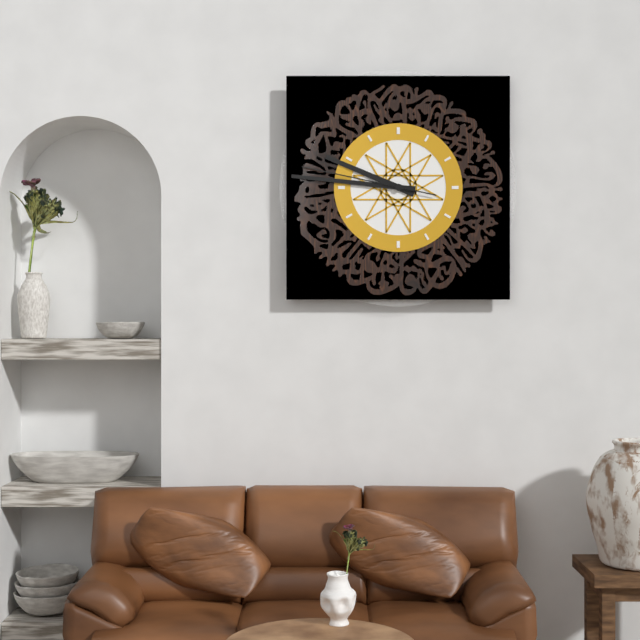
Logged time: **9:46:47**
